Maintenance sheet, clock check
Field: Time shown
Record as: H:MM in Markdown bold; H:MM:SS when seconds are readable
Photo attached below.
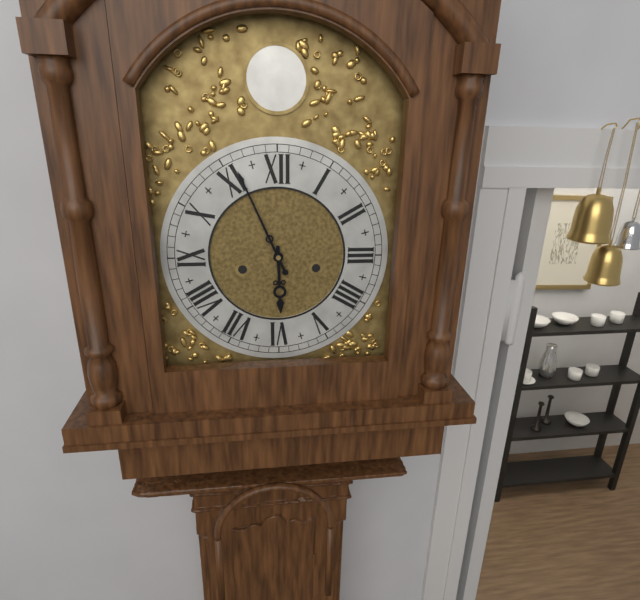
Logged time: **5:56**
